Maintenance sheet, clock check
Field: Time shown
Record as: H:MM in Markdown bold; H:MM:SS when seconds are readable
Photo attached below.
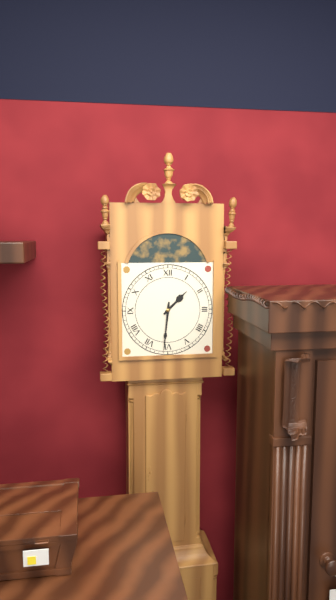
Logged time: **1:31**
